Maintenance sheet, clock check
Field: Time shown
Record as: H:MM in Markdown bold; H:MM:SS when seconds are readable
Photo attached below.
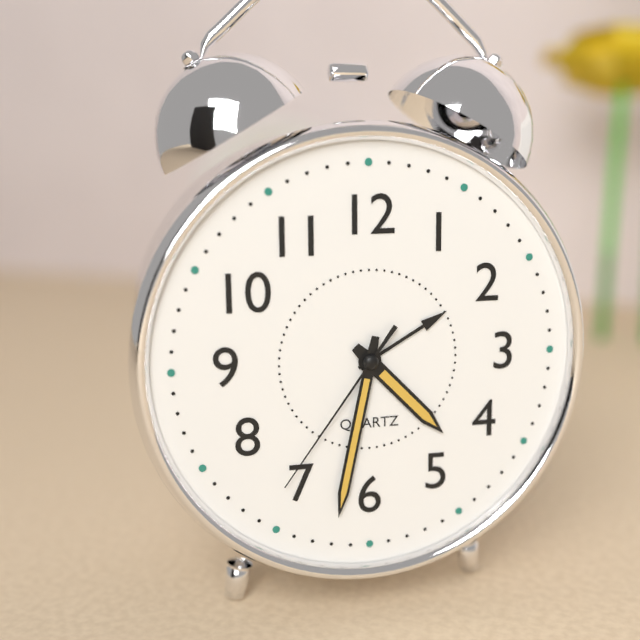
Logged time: **4:32:36**
